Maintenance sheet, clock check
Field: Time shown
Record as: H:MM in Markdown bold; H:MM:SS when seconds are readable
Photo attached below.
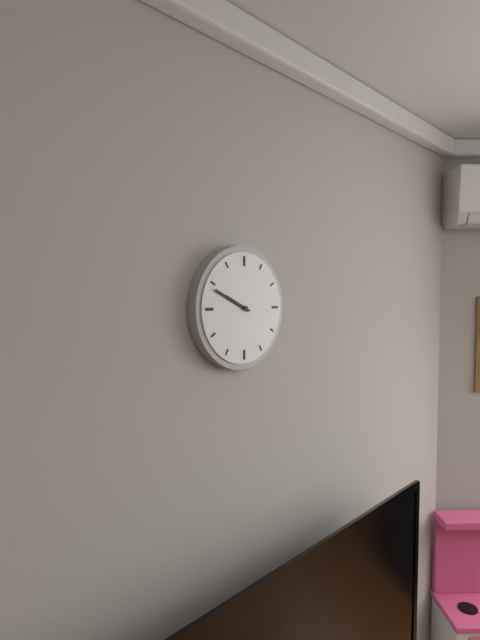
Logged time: **9:49**
